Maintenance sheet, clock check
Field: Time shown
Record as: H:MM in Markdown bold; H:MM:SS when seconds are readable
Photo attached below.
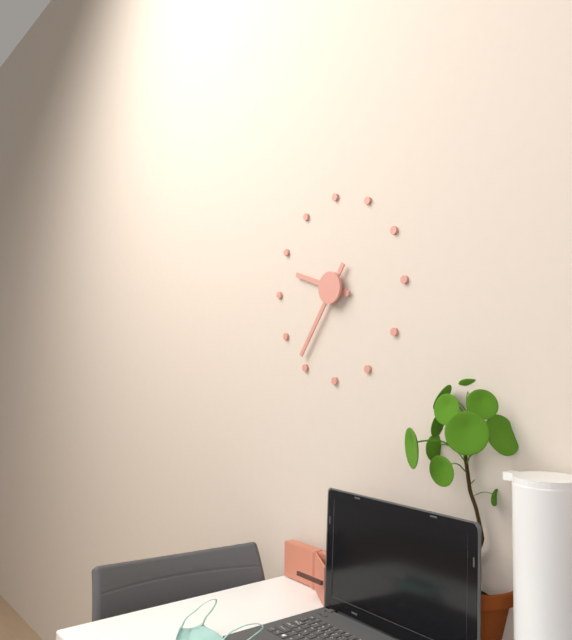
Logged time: **9:36**
